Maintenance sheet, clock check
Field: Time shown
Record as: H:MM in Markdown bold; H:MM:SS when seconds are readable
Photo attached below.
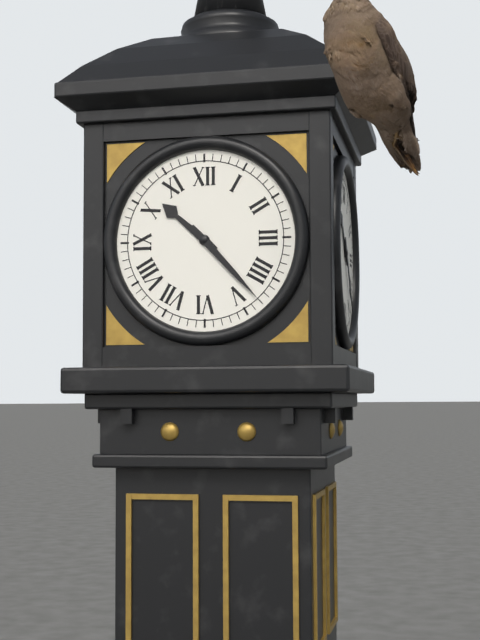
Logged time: **10:23**
